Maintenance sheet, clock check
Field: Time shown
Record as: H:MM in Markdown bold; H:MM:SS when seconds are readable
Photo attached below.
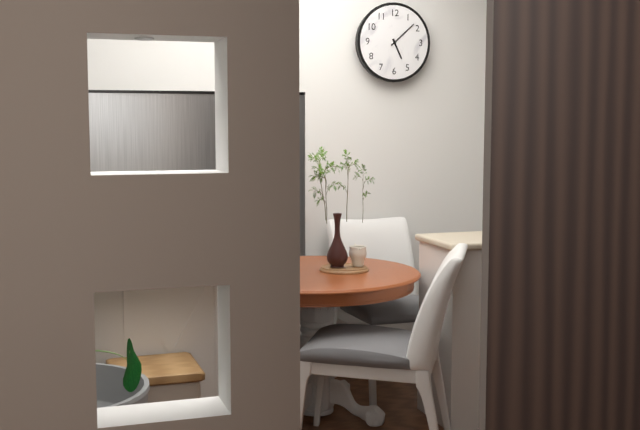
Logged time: **5:08**
